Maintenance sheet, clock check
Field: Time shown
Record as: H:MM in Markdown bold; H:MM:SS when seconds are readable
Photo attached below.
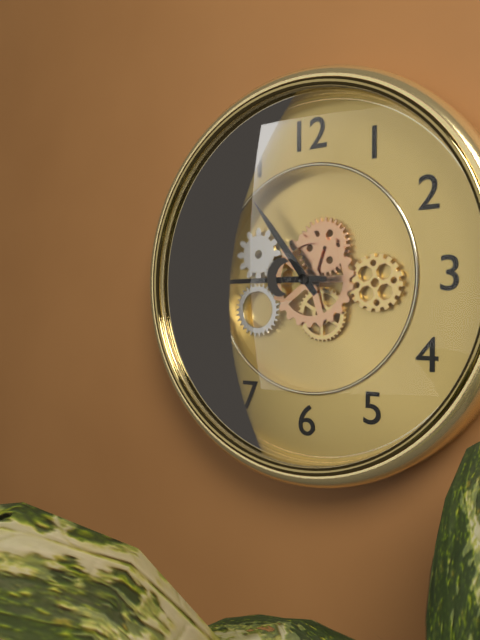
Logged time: **10:45**
